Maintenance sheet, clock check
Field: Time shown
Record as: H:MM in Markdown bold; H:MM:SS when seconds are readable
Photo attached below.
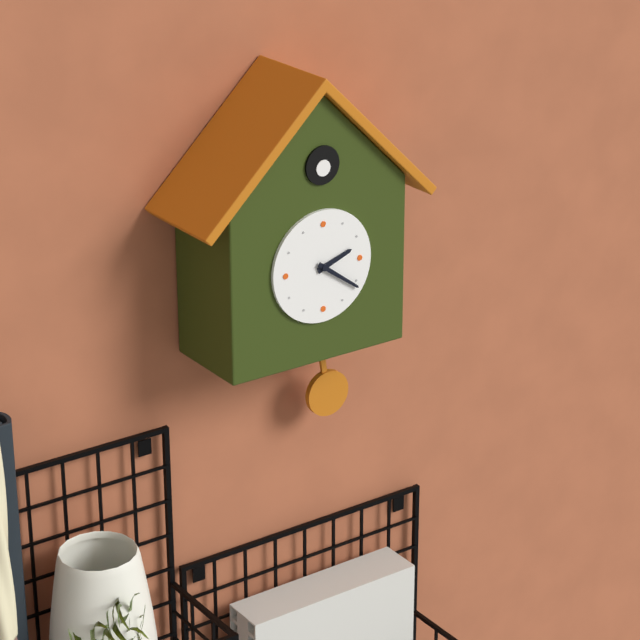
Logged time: **2:21**
